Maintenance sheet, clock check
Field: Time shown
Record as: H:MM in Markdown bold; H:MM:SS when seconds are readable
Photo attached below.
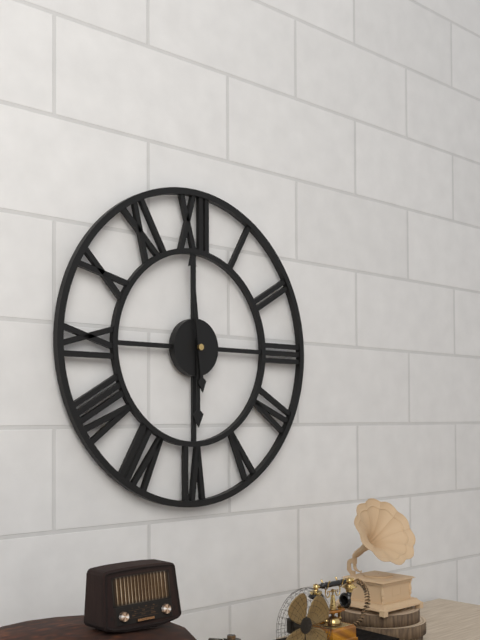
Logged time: **5:59**
